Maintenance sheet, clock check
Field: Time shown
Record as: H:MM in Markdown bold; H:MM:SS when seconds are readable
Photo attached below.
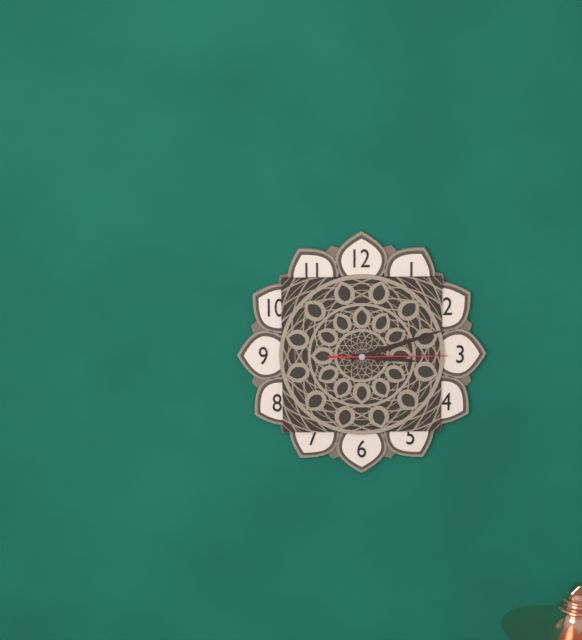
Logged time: **3:12:15**
